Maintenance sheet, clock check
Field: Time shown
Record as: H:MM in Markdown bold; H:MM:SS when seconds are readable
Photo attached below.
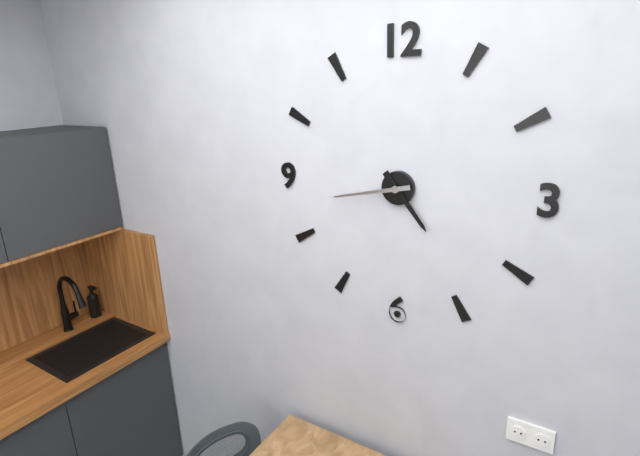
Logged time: **4:43**
